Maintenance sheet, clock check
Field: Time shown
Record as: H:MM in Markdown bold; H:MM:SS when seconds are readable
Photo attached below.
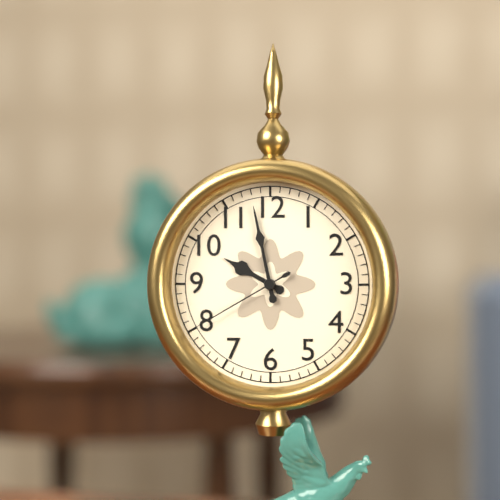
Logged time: **9:58:40**
